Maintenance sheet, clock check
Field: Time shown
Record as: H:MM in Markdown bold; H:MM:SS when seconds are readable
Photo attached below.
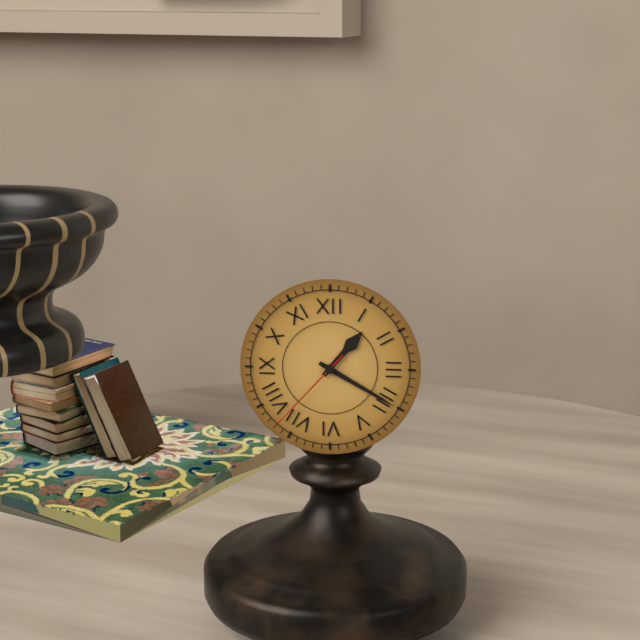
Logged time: **1:20:37**
